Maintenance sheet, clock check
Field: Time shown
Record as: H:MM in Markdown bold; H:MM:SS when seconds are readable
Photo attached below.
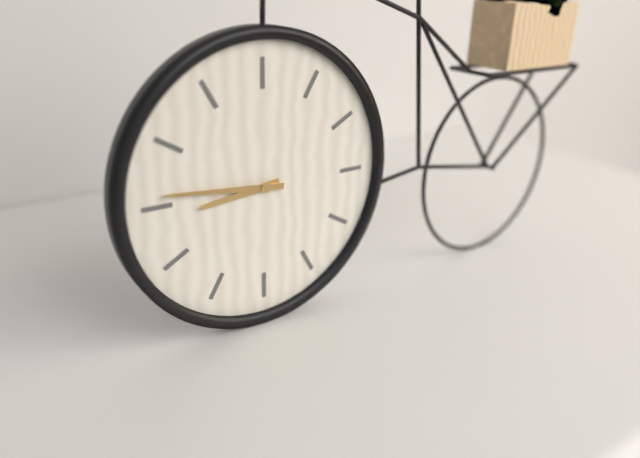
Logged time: **8:46**
